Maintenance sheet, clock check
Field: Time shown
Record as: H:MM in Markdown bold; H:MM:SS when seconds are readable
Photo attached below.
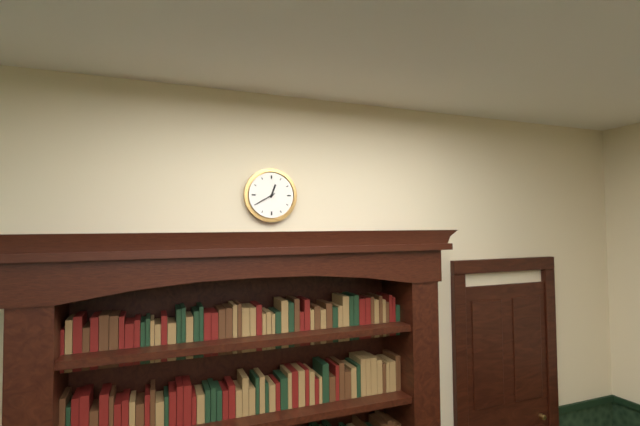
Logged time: **12:40**
